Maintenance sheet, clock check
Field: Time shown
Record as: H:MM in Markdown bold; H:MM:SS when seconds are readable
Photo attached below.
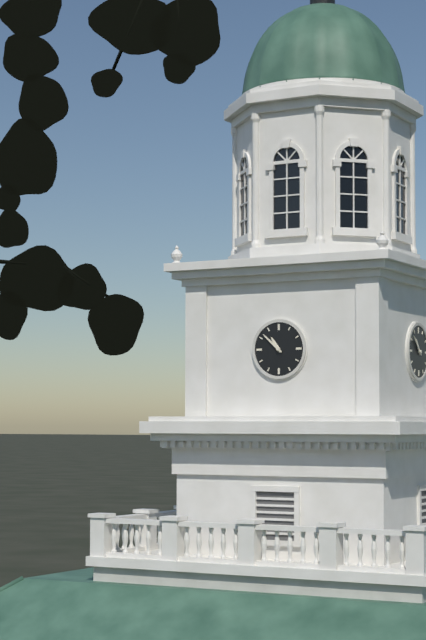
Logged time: **10:52**
